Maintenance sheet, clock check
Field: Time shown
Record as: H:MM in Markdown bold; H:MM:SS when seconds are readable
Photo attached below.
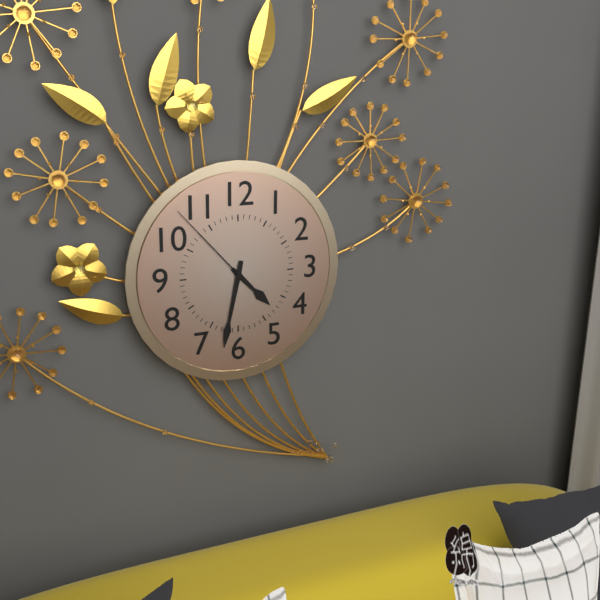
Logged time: **4:32:53**
